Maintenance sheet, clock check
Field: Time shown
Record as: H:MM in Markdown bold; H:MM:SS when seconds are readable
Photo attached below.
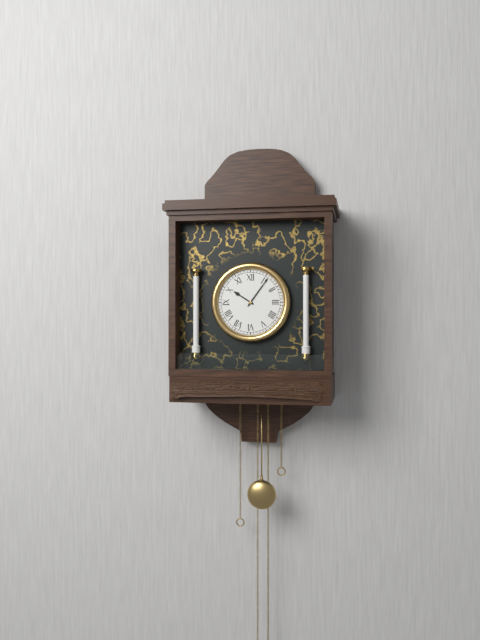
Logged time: **10:06**
